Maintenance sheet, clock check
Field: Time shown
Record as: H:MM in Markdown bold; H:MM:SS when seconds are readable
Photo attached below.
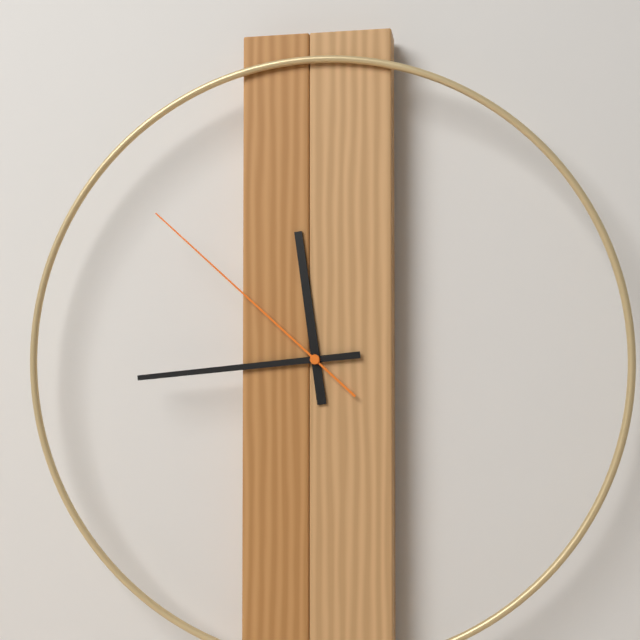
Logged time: **11:44:52**
